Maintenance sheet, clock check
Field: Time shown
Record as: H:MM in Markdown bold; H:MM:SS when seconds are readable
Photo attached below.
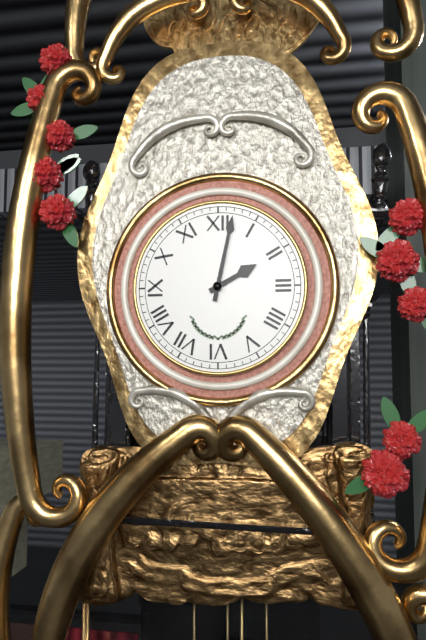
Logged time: **2:02**
